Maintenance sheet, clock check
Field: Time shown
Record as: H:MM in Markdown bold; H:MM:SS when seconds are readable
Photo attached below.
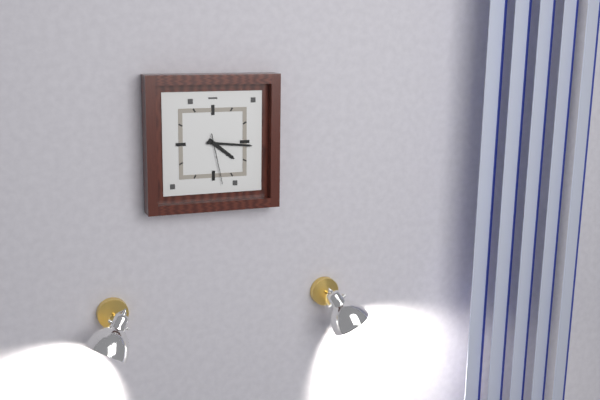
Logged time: **4:16:28**
